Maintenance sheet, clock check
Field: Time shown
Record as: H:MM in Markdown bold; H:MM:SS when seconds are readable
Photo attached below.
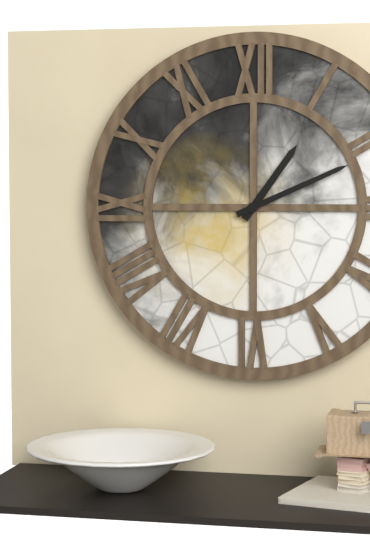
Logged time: **1:11**
